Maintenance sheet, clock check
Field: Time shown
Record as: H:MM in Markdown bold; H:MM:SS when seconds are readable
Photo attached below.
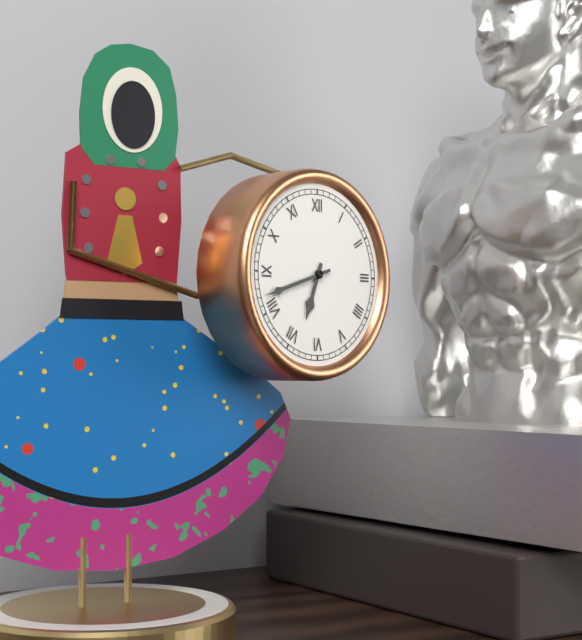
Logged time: **6:42**
